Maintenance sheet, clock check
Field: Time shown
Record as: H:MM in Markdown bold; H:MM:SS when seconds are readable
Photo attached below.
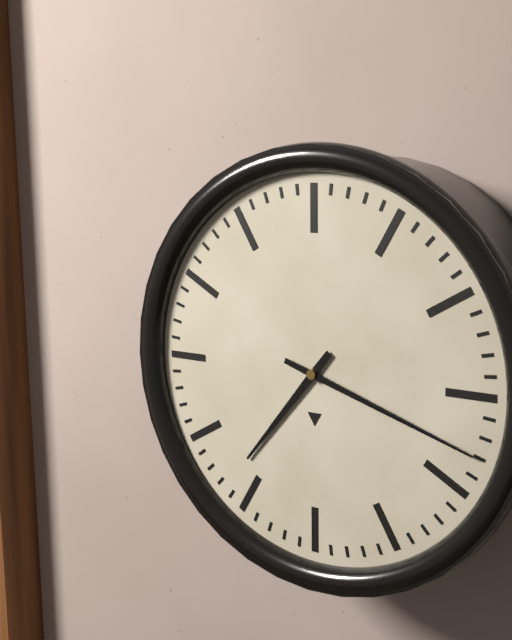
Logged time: **7:18**
